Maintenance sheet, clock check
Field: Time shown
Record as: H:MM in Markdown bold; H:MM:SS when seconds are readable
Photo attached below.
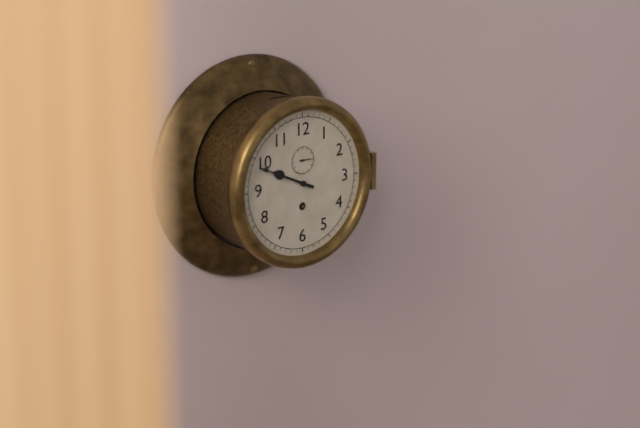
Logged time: **9:49**
